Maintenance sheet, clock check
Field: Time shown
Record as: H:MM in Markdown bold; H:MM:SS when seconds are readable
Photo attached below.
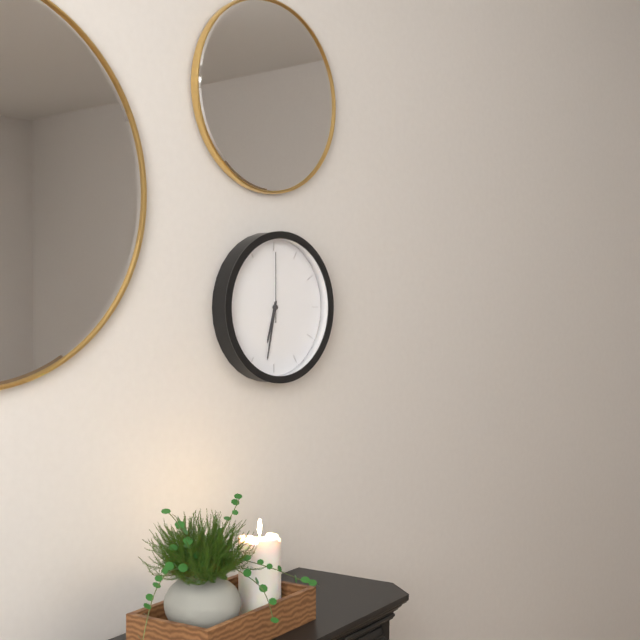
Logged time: **6:32:00**
